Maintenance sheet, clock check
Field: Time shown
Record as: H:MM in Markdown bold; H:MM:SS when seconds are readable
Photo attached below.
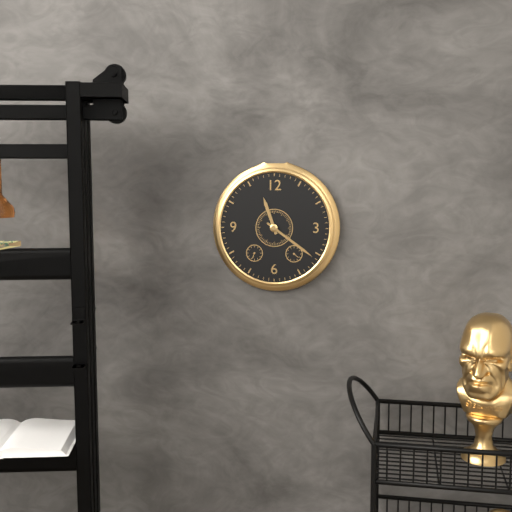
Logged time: **11:21**
